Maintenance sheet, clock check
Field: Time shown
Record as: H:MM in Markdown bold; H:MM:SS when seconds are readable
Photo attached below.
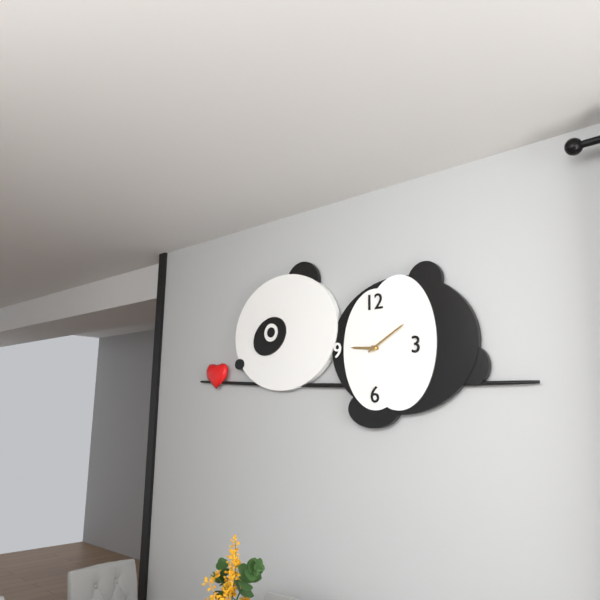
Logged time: **9:10**
